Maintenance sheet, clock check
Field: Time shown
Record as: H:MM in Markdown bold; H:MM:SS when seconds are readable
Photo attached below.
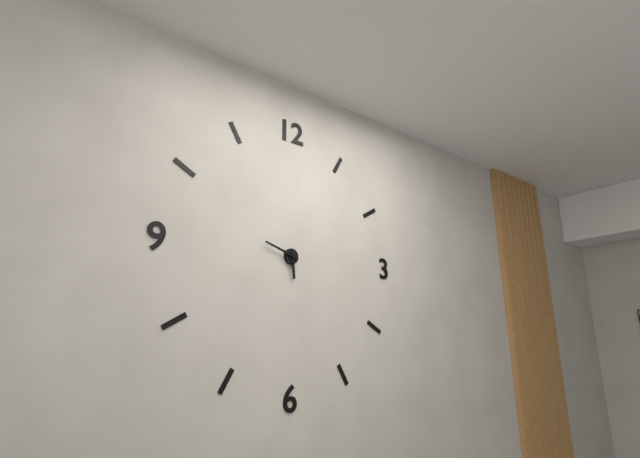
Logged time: **5:48**
